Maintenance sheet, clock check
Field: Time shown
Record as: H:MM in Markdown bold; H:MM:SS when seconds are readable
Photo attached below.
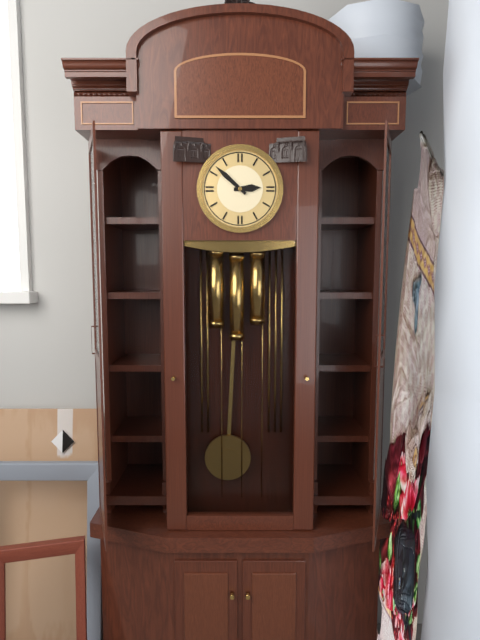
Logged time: **2:52**
